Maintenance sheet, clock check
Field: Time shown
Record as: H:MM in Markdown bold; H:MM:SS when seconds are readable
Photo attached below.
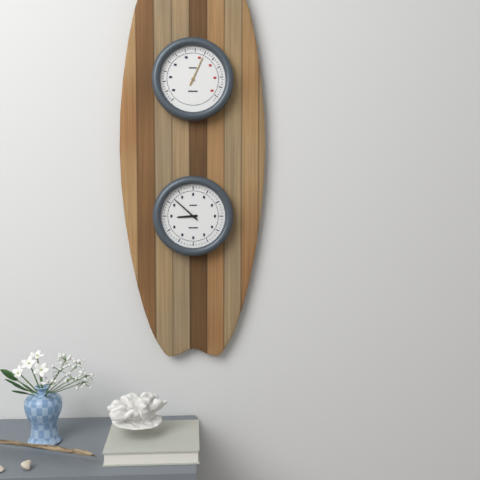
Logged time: **8:52**
